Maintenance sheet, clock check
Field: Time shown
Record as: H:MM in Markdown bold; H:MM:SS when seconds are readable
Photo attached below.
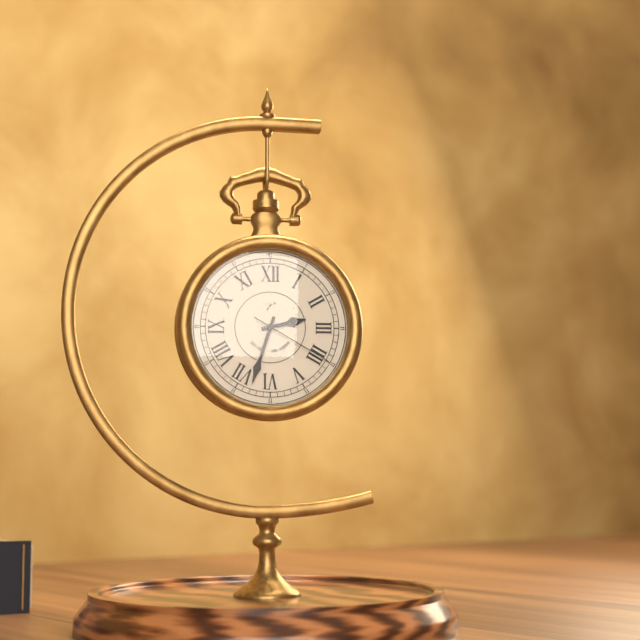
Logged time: **2:33:20**
